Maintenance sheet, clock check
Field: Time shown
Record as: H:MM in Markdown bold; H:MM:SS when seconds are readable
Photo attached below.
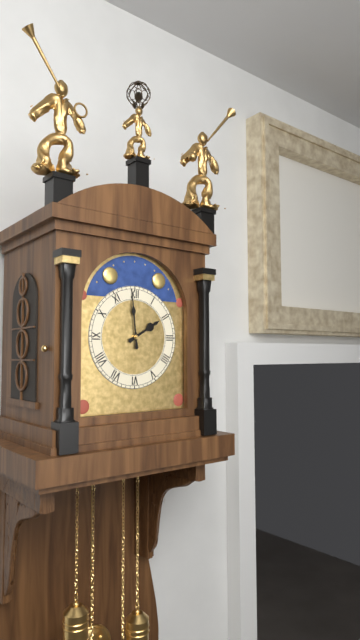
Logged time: **1:59**
